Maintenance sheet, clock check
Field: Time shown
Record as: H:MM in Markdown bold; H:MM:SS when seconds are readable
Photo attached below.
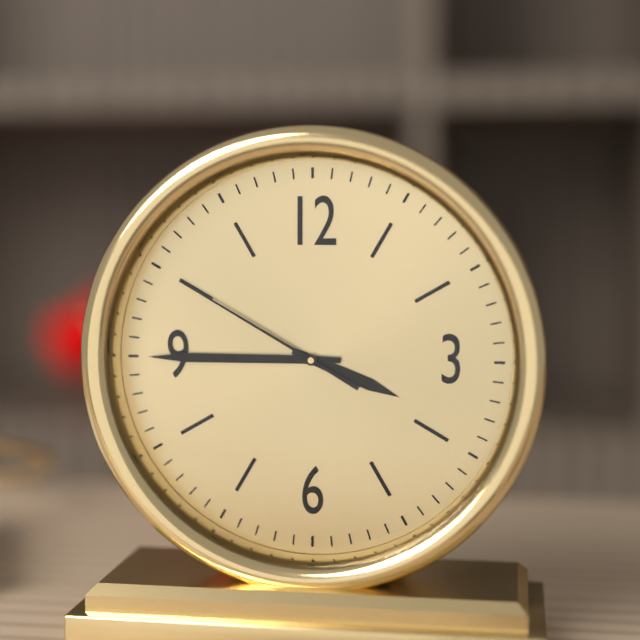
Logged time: **3:45:50**
